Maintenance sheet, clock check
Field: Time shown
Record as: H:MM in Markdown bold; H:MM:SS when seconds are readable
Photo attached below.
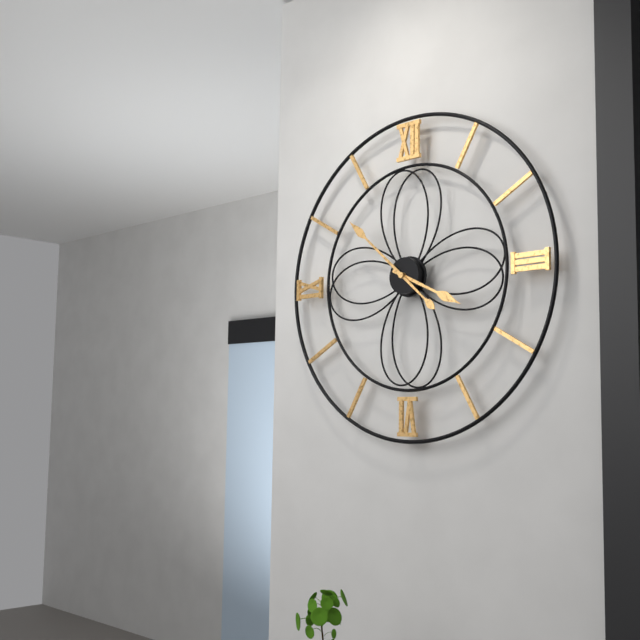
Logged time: **3:52**
